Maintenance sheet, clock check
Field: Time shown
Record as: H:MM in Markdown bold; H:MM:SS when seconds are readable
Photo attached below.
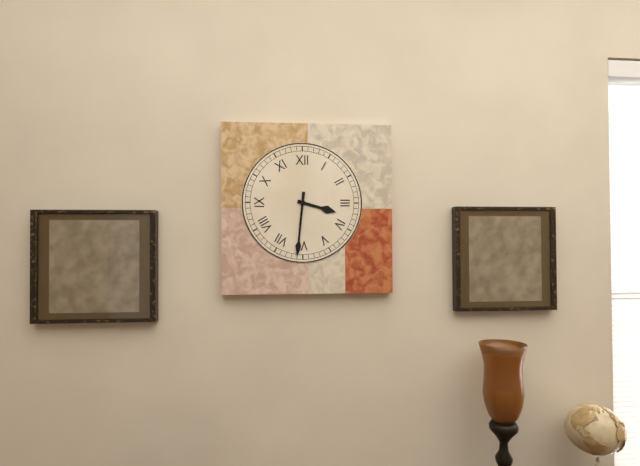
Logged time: **3:31**
